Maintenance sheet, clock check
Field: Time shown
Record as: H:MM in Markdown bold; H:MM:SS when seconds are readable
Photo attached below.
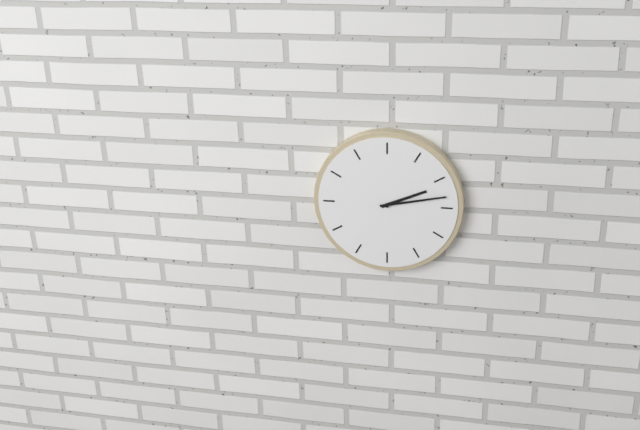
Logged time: **2:13**
